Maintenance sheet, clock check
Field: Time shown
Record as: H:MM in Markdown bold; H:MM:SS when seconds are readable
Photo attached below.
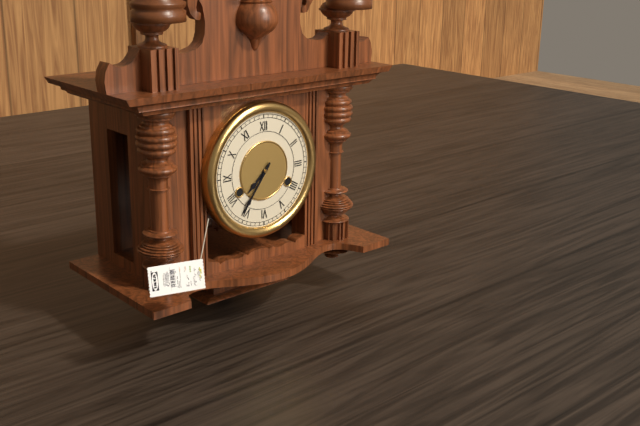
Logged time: **7:36**
